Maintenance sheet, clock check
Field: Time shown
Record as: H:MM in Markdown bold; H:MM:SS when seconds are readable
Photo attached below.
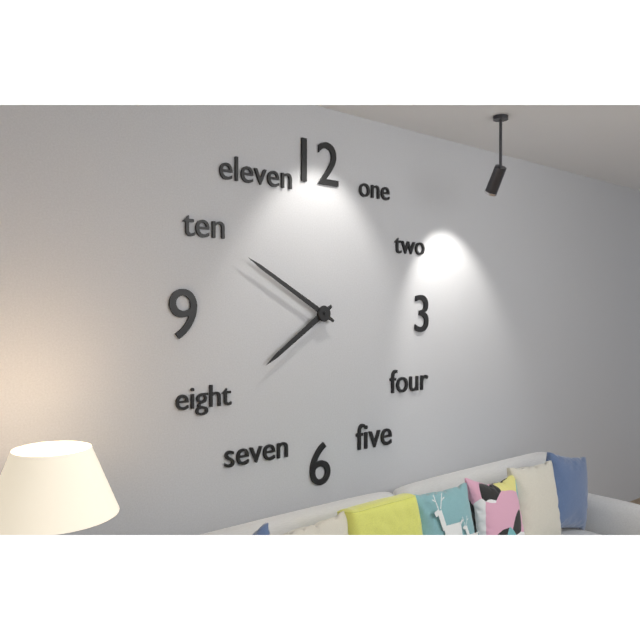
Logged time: **7:50**
